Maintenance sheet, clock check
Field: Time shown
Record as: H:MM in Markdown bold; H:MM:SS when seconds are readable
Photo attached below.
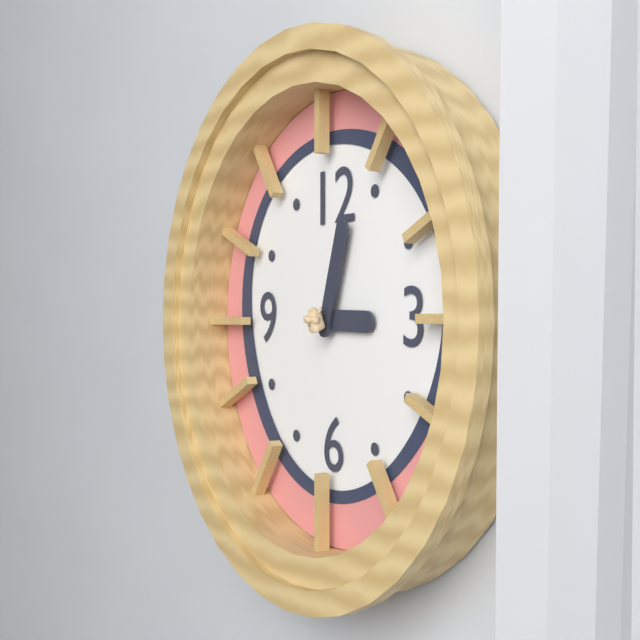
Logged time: **3:03**
